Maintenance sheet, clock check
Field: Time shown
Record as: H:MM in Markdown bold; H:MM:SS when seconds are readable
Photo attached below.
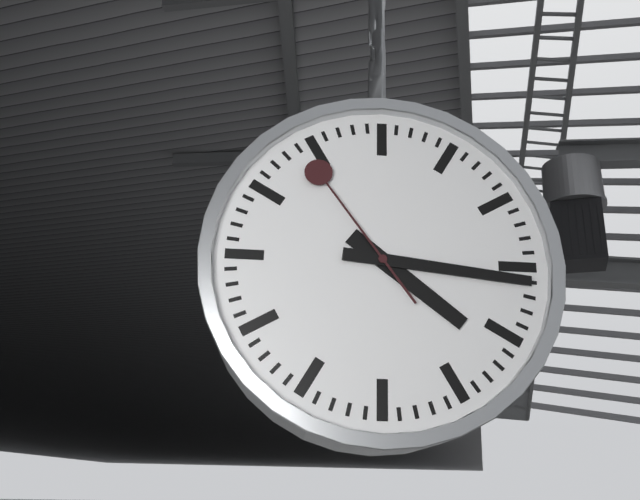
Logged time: **4:16:54**
